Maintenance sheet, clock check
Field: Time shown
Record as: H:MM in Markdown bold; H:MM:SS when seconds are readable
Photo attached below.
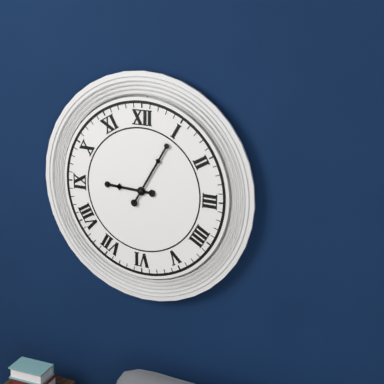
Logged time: **9:05**
